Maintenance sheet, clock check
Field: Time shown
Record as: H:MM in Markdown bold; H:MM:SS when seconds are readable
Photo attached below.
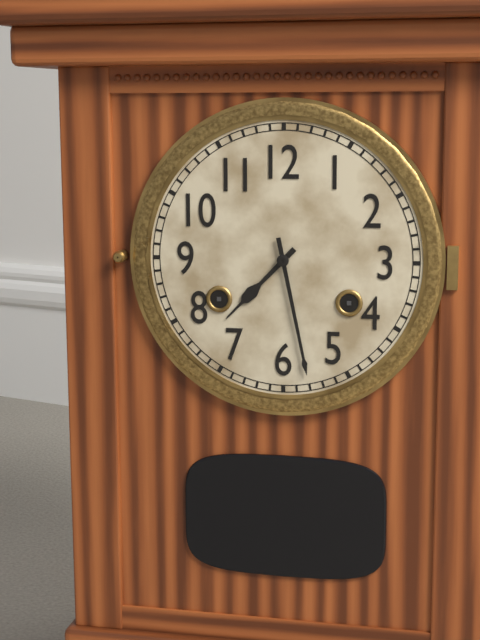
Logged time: **7:28**
